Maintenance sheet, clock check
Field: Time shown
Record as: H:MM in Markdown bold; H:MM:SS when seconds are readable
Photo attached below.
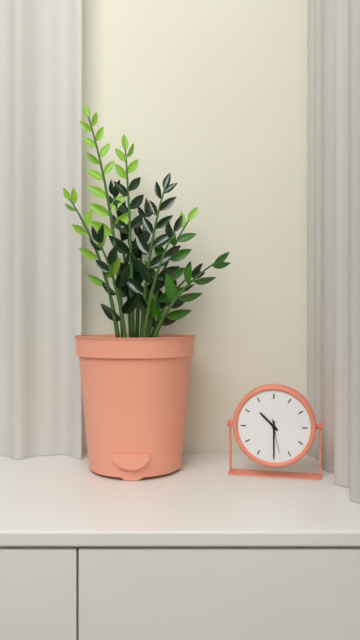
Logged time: **10:30**
